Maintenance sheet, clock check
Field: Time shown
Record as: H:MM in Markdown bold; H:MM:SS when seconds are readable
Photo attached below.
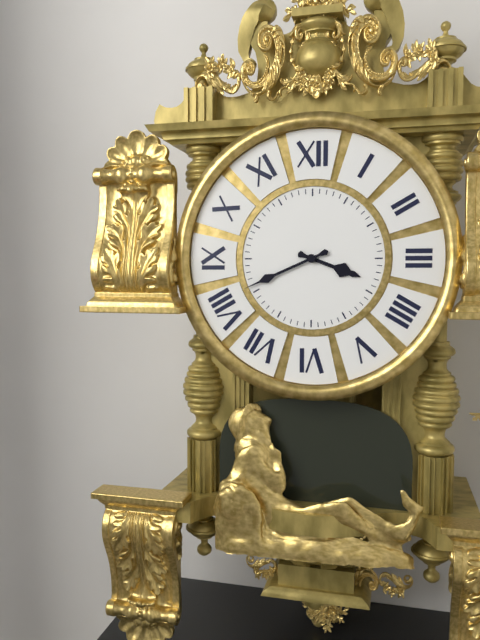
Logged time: **3:41**
